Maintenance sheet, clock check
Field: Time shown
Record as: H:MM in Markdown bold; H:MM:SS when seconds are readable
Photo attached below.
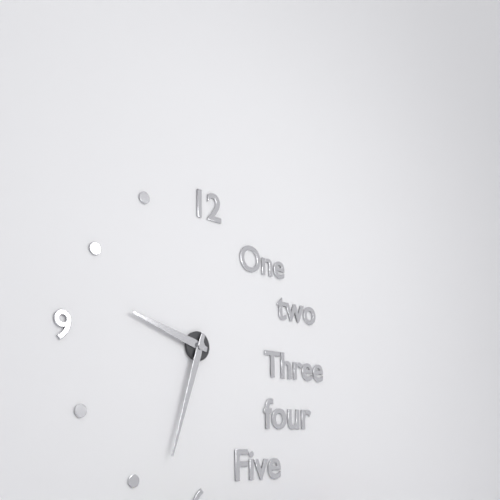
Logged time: **9:33**
